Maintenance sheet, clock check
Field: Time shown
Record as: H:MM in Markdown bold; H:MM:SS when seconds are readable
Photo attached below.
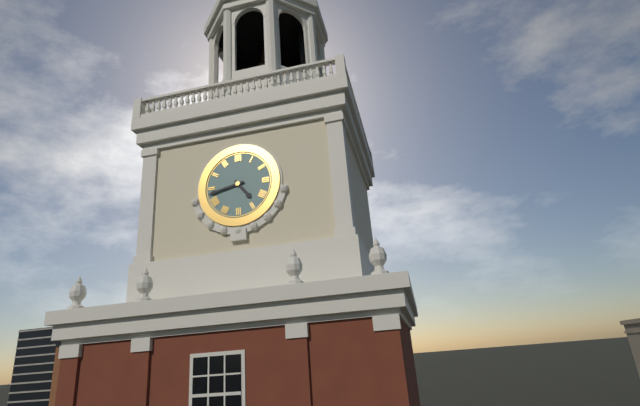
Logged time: **4:43**
